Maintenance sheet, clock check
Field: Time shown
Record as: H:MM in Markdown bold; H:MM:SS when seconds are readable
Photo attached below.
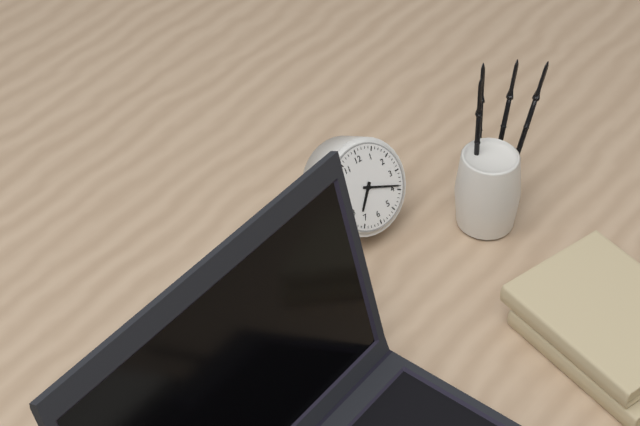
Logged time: **7:19**
